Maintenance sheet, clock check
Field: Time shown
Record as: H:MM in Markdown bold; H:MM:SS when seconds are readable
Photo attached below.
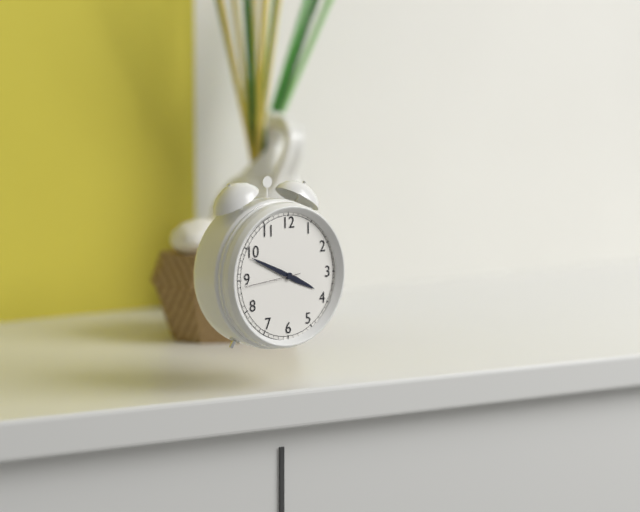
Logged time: **3:49:44**
